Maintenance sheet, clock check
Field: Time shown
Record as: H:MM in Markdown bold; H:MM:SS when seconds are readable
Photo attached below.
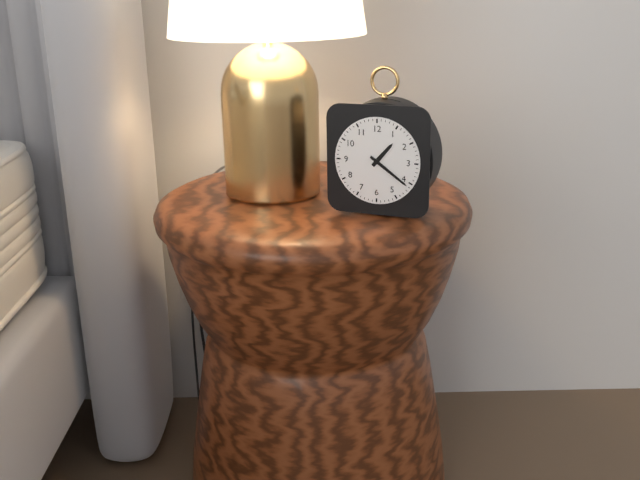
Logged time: **1:21**
